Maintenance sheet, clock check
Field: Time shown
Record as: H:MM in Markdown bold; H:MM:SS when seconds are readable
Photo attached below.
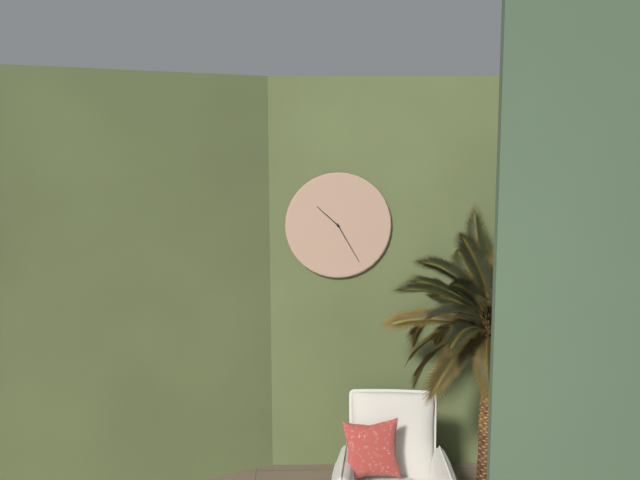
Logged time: **10:25**
